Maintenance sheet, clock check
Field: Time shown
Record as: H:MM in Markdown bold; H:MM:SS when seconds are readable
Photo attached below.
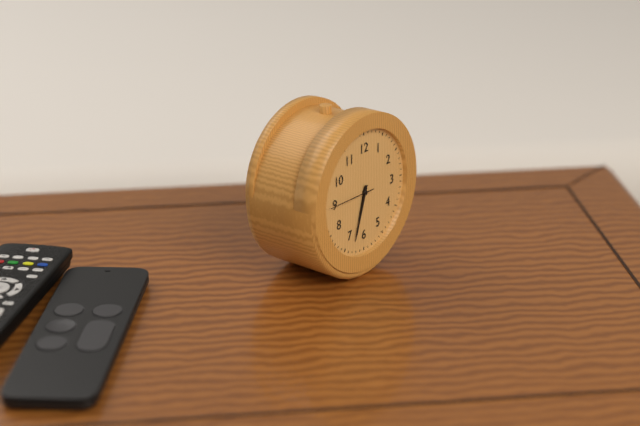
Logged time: **6:33**
